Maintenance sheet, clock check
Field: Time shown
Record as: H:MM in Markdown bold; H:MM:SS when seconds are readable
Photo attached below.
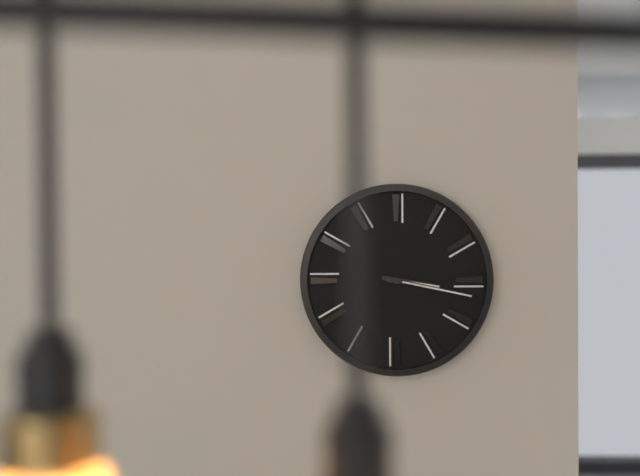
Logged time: **3:17**
